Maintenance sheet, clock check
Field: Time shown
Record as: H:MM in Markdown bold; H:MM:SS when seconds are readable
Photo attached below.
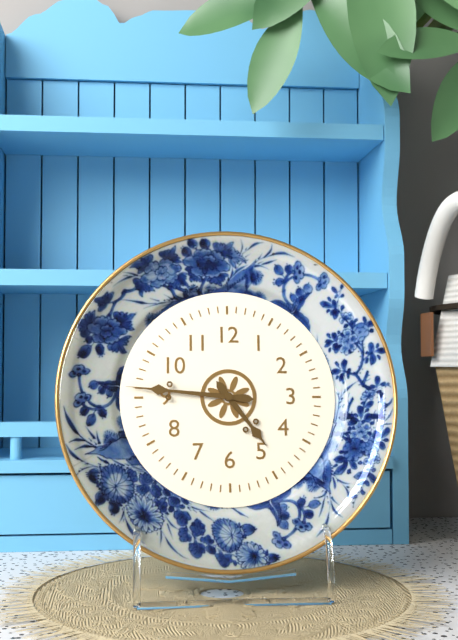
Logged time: **4:46**
